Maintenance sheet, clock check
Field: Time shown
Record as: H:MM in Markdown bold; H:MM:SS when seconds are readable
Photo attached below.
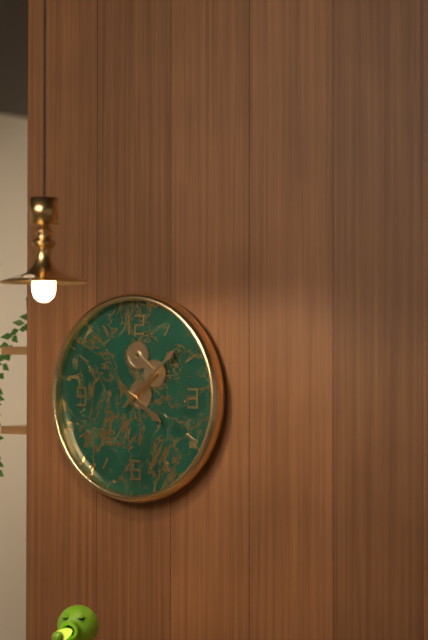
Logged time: **4:08**
